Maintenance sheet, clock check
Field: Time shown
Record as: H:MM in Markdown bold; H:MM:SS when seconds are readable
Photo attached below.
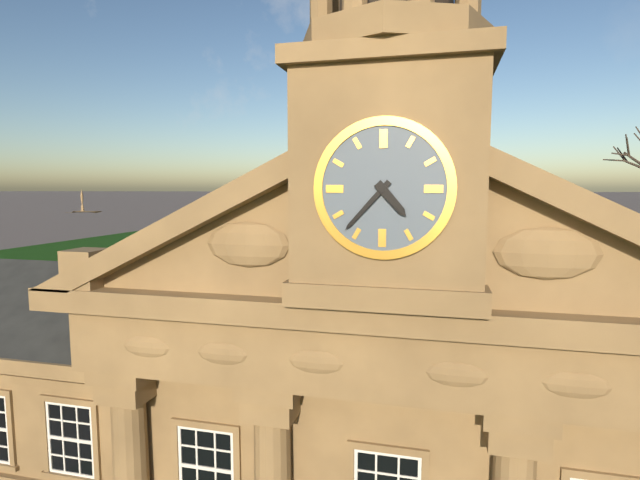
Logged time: **4:37**
